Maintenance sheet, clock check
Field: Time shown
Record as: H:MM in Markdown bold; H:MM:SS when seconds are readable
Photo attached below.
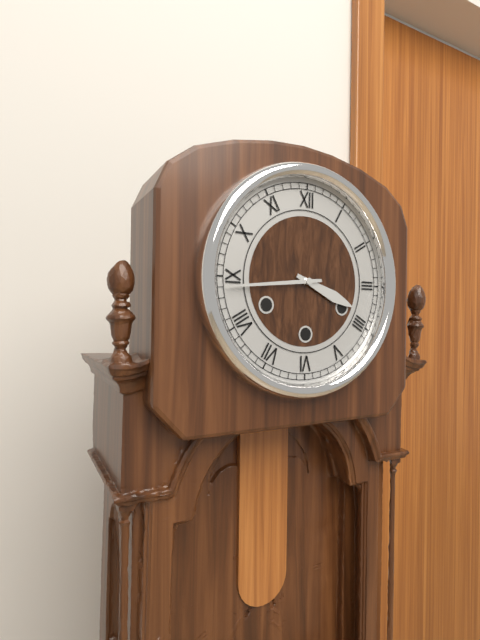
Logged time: **3:44**
